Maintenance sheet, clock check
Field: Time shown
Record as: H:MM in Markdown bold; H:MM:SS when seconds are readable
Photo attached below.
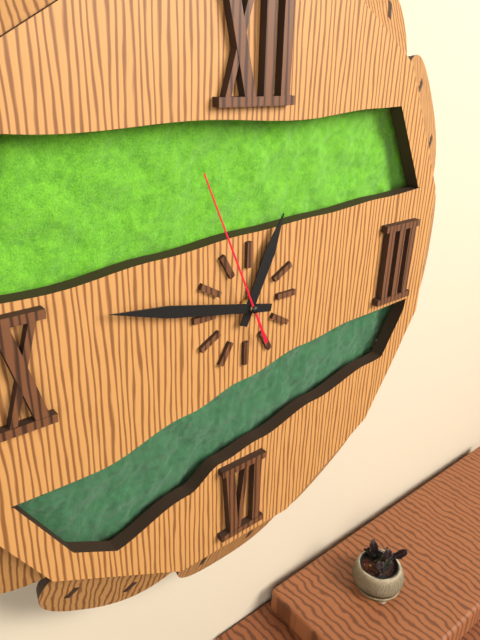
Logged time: **12:47:56**
